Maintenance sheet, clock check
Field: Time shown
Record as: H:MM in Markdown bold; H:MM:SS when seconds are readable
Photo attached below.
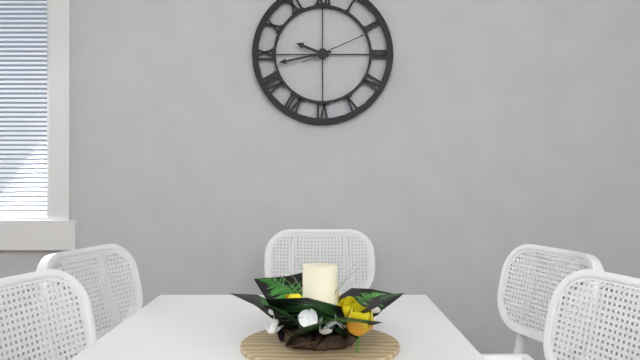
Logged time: **9:43:11**
